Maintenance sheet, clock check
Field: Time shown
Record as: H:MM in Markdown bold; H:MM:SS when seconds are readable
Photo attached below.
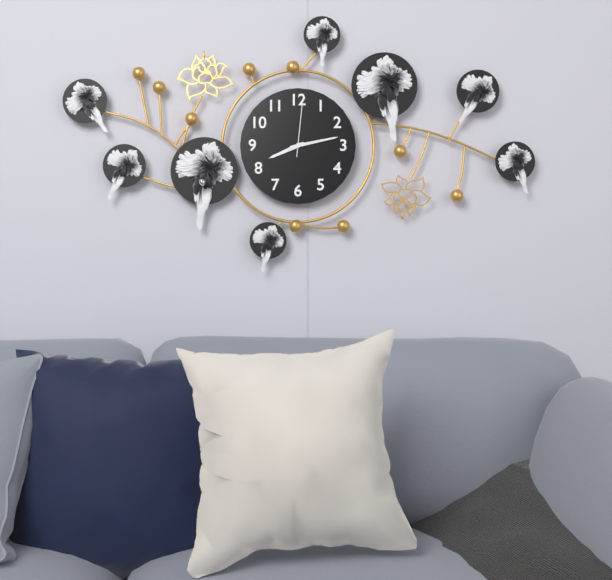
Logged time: **8:13:01**
